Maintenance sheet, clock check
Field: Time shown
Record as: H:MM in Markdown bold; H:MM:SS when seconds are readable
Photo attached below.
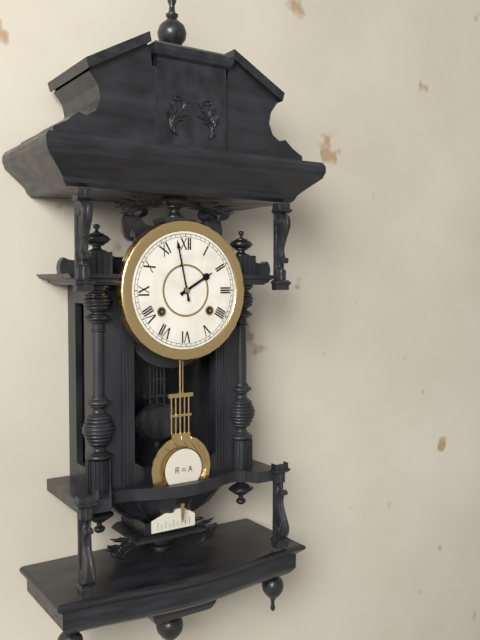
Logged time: **1:58**
